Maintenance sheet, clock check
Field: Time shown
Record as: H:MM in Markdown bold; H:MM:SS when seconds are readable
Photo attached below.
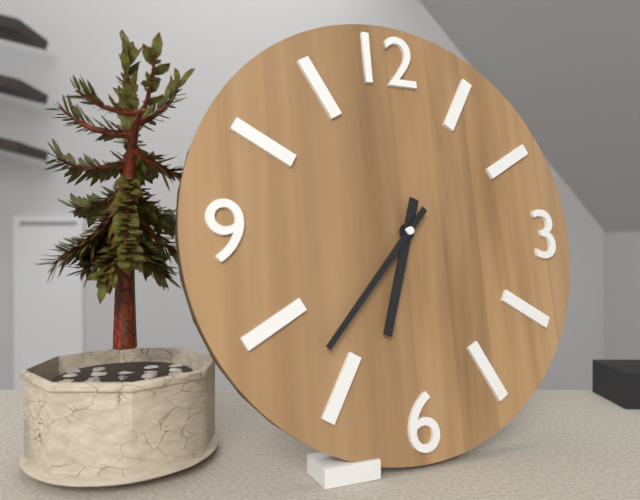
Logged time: **6:37**
